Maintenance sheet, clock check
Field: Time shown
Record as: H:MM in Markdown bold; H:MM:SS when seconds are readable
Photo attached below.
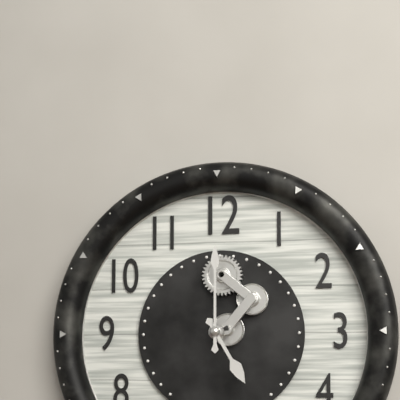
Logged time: **5:00**
